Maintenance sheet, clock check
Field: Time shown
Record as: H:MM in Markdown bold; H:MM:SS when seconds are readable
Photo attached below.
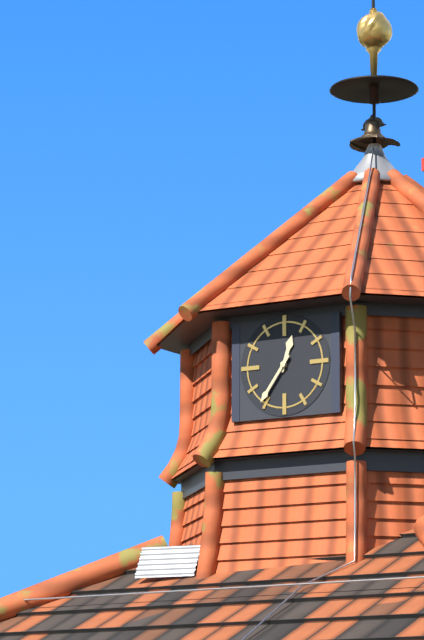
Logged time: **12:36**
